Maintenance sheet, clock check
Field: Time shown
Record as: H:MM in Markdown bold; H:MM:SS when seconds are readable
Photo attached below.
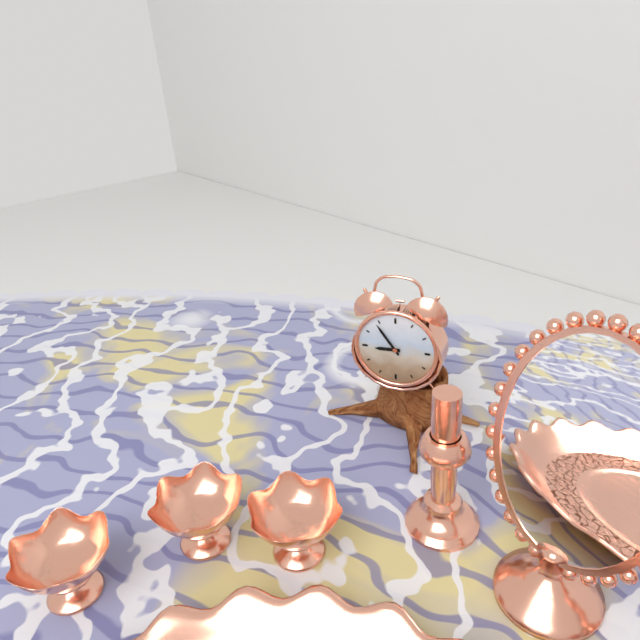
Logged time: **8:54**
